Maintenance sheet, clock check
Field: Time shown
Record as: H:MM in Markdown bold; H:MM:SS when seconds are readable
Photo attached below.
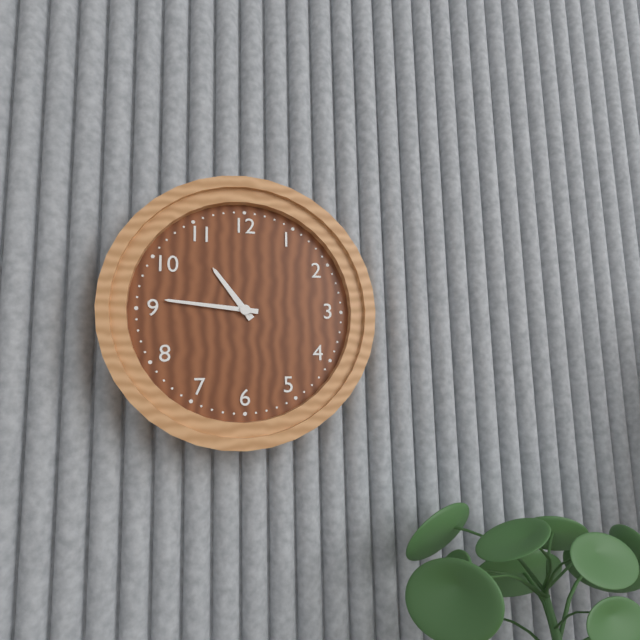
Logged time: **10:46**
